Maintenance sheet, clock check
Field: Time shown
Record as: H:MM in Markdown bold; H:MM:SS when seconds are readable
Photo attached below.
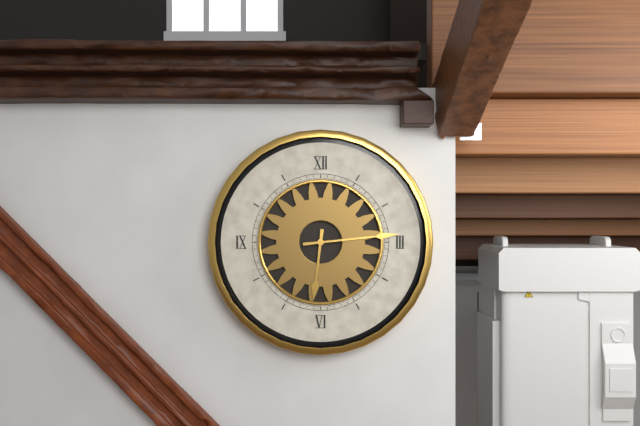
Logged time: **6:14**
